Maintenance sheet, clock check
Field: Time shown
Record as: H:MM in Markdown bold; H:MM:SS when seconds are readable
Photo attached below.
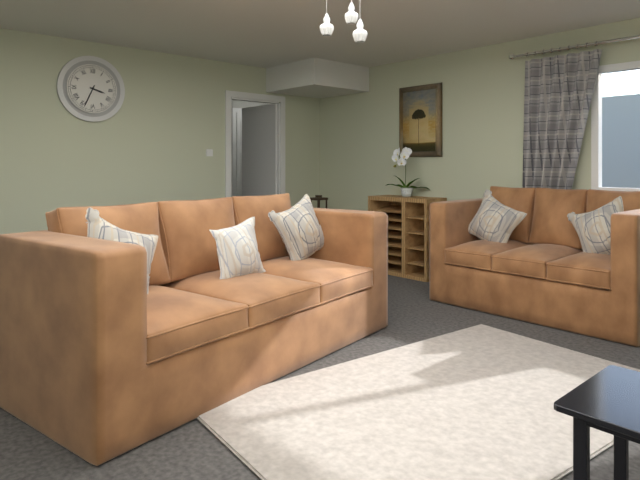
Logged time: **3:34**
